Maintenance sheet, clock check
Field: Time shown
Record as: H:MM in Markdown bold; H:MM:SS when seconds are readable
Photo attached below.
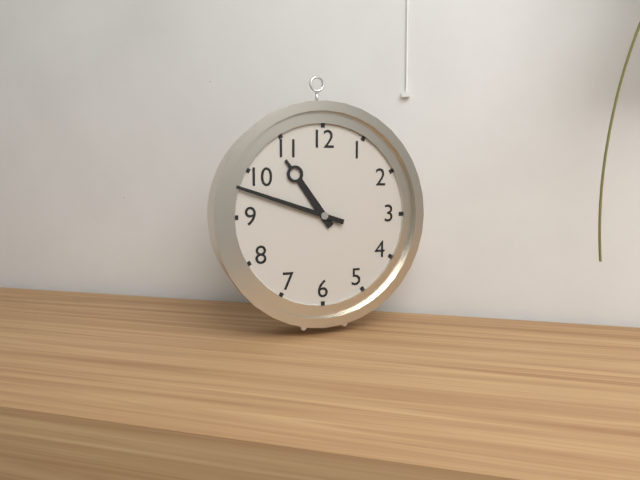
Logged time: **10:48**
